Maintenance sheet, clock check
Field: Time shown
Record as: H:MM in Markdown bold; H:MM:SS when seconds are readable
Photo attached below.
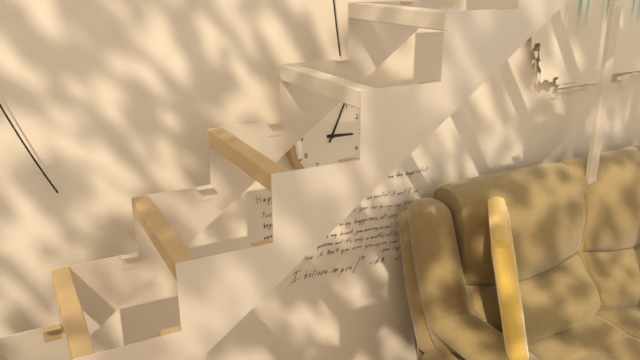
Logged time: **3:04**
